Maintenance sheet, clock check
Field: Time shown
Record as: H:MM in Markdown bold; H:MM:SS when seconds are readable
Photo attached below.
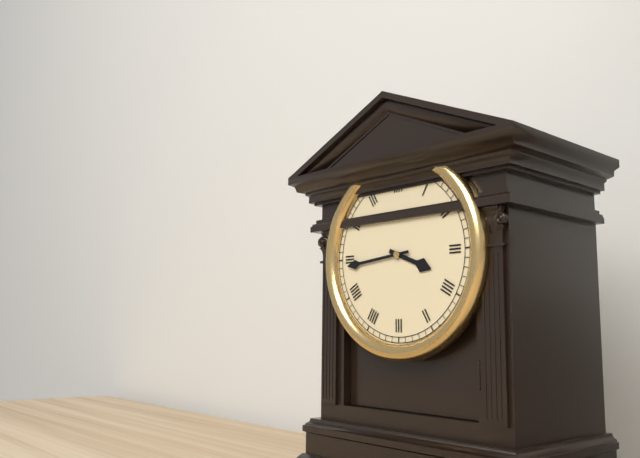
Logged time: **3:44**
